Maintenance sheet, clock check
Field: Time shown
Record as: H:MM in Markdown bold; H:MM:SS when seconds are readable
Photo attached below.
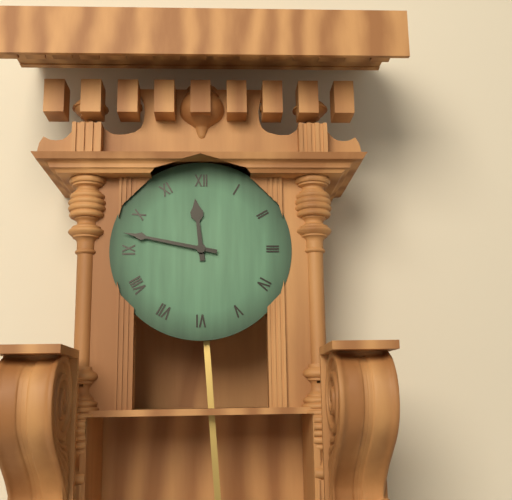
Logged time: **11:47**
